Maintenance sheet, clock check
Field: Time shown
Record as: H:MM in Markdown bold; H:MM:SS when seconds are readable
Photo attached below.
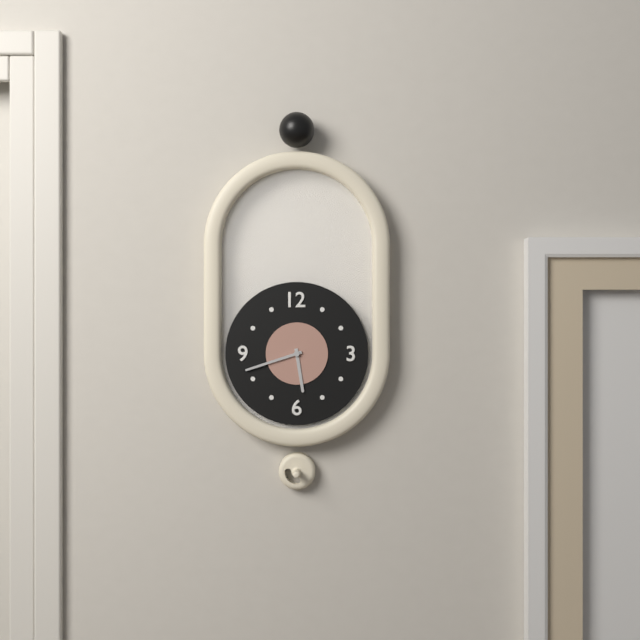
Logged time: **5:42**
